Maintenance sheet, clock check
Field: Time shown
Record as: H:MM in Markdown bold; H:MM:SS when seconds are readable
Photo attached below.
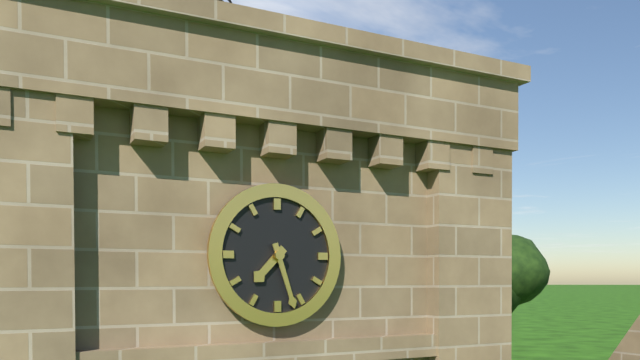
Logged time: **7:27**
